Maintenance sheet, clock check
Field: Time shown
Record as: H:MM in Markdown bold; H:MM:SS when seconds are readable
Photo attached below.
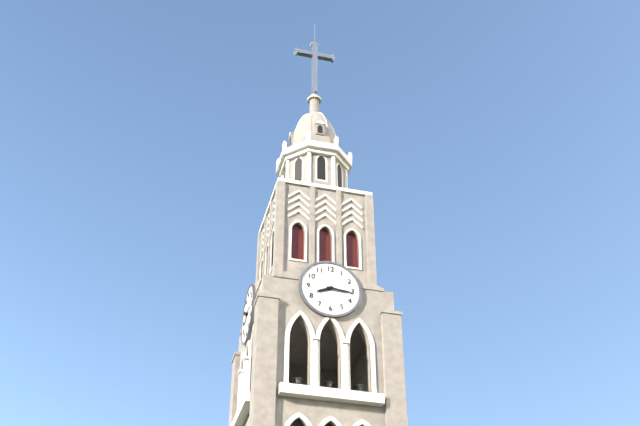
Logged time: **8:16**
